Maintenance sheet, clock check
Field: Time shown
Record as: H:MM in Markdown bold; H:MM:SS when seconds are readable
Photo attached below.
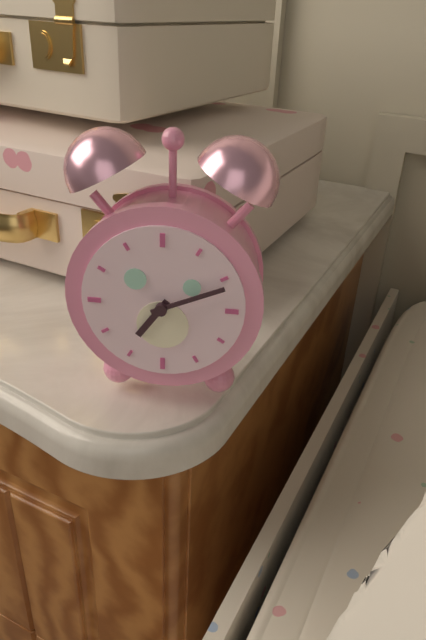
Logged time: **7:11**
